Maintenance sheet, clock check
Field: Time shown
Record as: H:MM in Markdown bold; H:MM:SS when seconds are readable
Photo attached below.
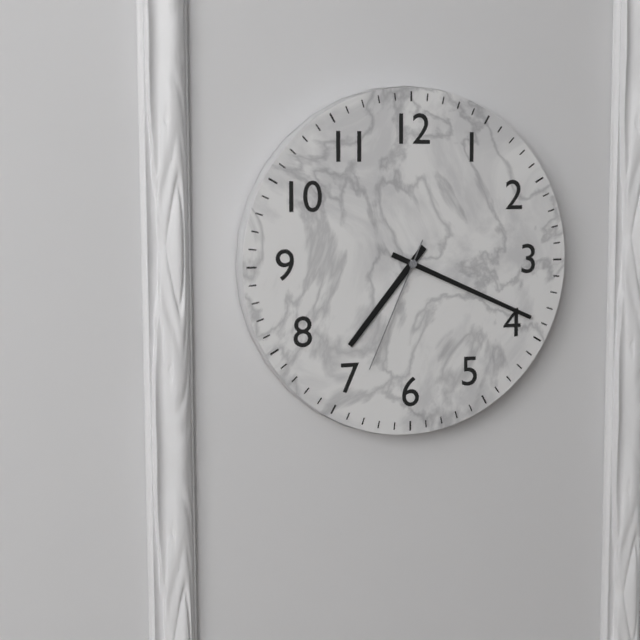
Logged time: **7:19:34**
